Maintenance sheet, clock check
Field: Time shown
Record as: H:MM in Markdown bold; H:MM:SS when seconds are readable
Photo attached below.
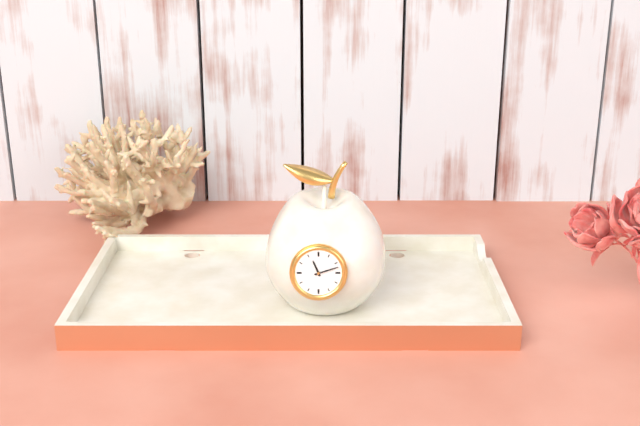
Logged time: **11:12**
